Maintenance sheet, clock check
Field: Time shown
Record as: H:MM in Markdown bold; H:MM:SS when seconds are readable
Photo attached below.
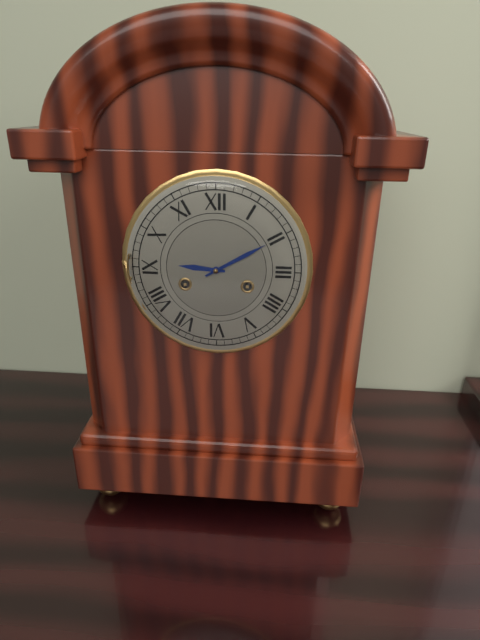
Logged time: **9:10**
